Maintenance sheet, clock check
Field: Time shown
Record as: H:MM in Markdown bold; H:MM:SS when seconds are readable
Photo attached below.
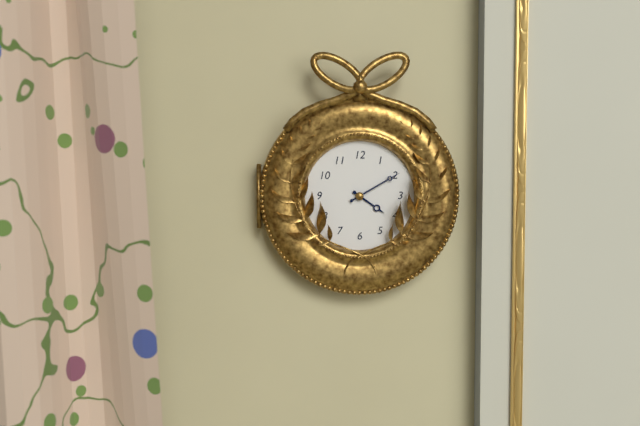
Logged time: **4:10**
